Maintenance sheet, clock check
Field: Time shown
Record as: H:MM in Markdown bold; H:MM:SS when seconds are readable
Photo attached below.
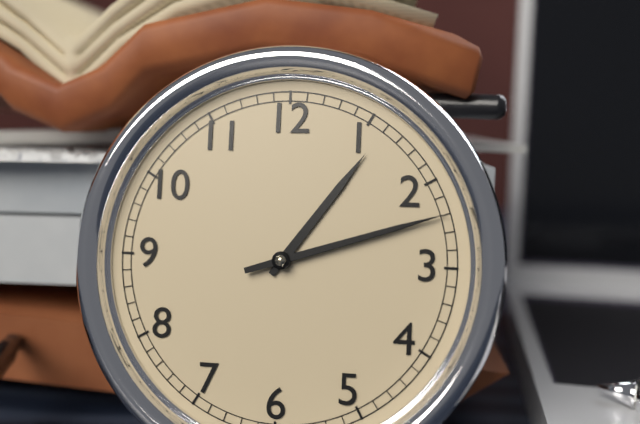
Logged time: **1:12:12**
